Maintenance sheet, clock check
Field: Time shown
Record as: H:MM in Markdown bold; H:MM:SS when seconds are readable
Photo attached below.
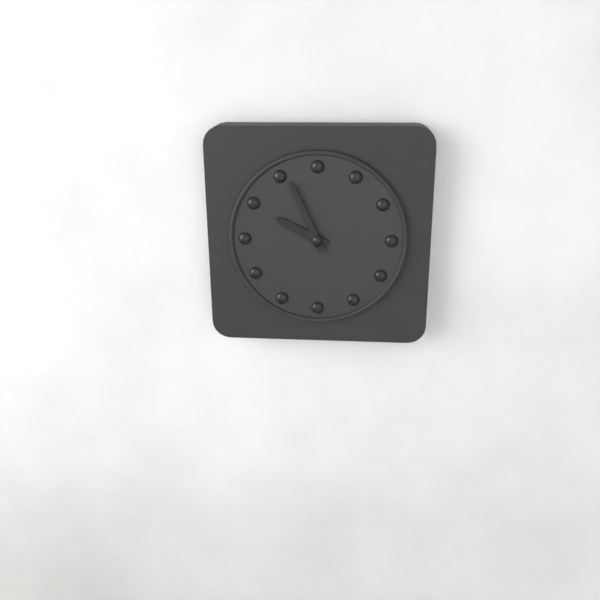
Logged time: **9:56**
